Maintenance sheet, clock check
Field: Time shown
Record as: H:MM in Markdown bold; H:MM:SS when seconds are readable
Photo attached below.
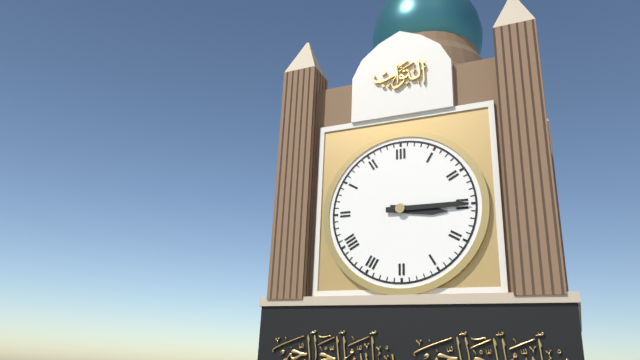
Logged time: **3:15**
